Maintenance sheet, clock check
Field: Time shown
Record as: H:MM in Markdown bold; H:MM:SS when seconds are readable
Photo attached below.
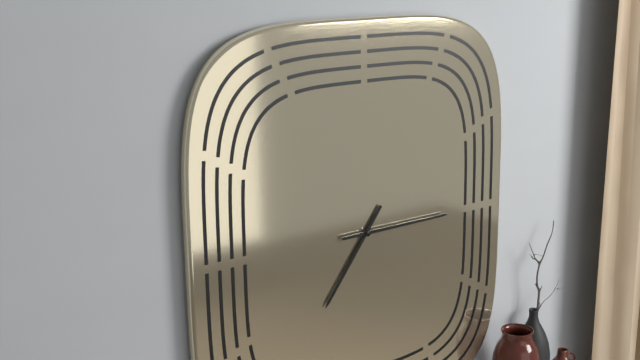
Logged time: **7:15**
